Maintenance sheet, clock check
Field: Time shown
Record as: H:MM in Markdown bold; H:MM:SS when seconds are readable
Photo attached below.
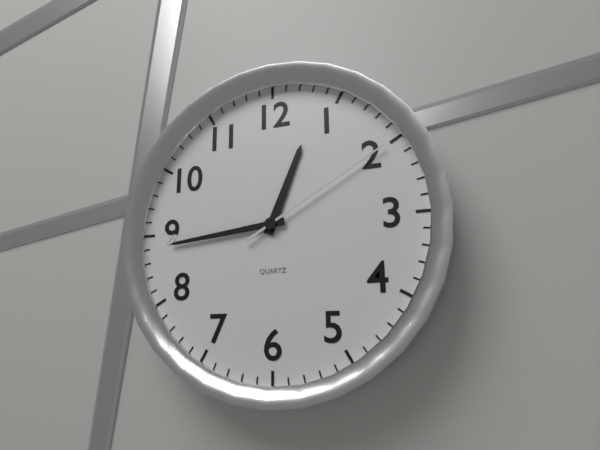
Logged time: **12:44:10**
